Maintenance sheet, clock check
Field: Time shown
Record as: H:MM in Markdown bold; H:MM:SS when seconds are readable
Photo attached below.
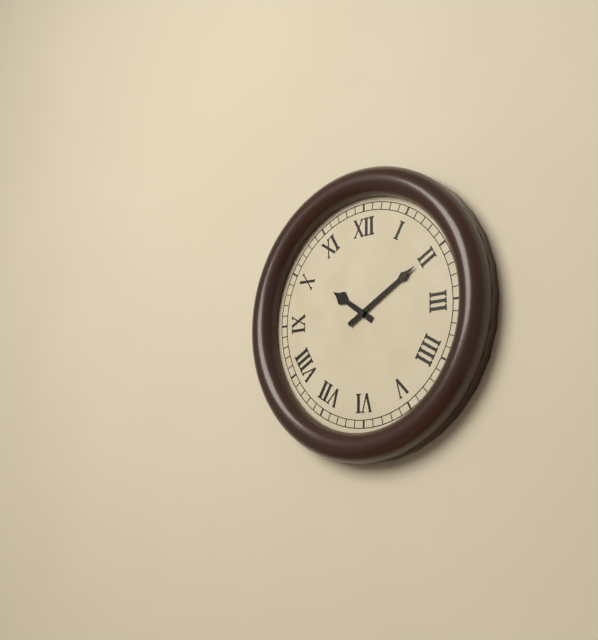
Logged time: **10:10**
